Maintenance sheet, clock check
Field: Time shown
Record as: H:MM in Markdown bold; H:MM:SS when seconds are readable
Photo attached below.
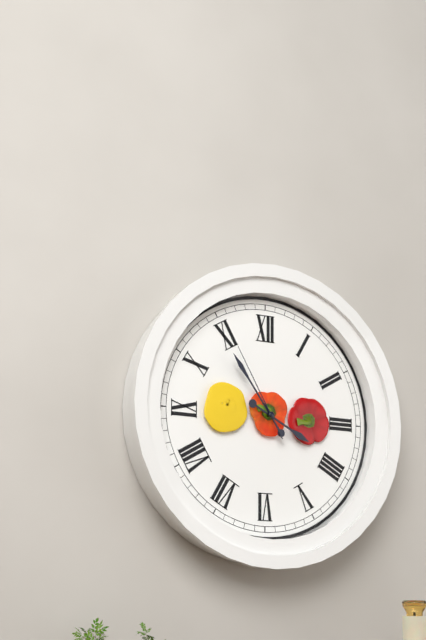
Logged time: **3:54:55**
